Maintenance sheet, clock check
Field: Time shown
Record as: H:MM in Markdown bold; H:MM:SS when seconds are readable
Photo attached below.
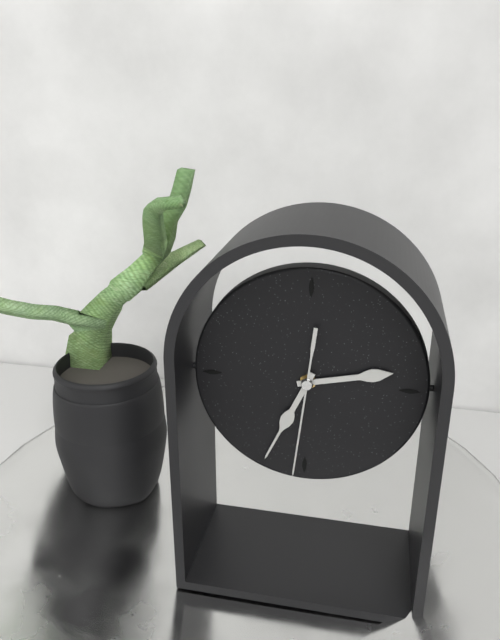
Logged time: **2:34:31**
